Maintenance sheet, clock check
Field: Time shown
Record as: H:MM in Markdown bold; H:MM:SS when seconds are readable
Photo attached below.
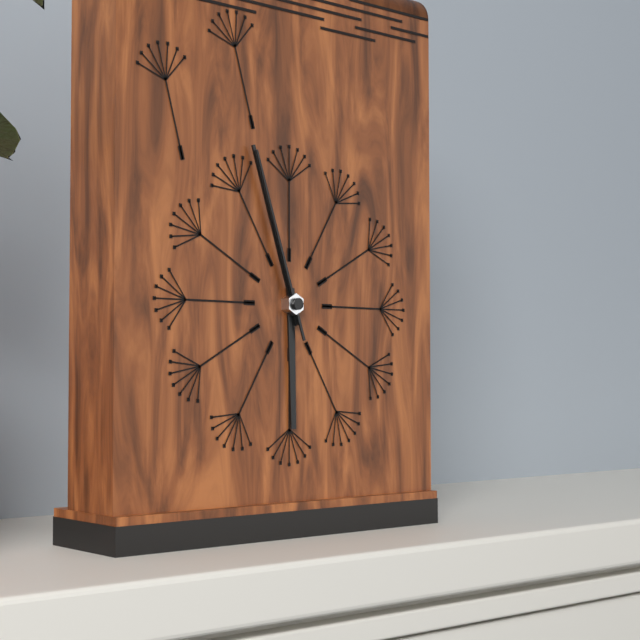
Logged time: **5:57:57**
